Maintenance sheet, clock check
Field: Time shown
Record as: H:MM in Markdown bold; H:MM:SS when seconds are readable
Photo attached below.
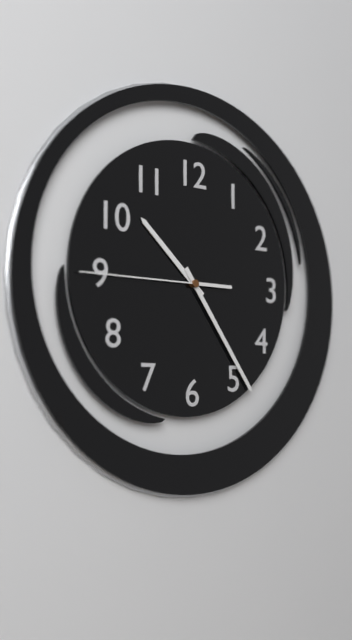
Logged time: **10:24:45**
